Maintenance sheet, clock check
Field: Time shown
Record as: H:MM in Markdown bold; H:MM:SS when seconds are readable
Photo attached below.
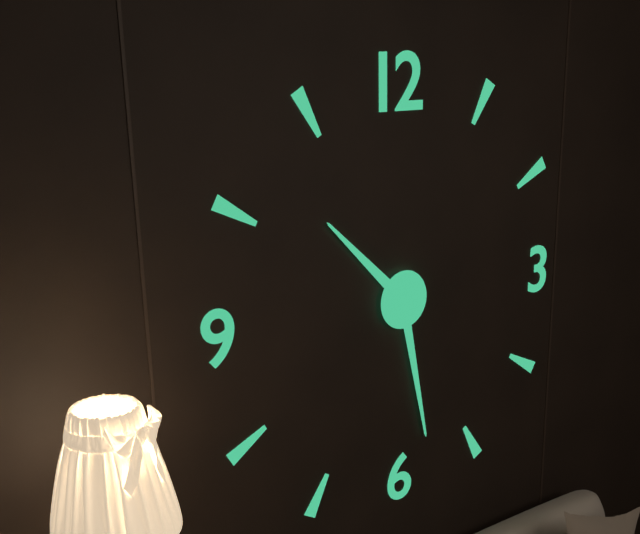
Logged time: **10:28**
